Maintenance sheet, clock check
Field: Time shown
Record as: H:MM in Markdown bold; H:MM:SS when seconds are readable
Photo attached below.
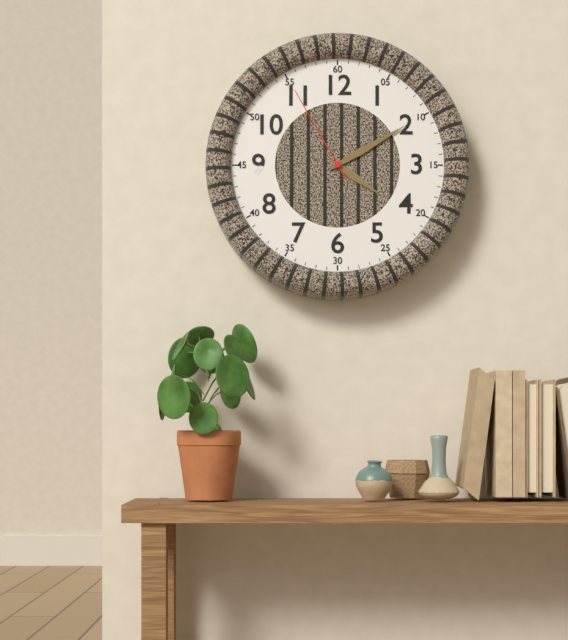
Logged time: **4:10:55**
